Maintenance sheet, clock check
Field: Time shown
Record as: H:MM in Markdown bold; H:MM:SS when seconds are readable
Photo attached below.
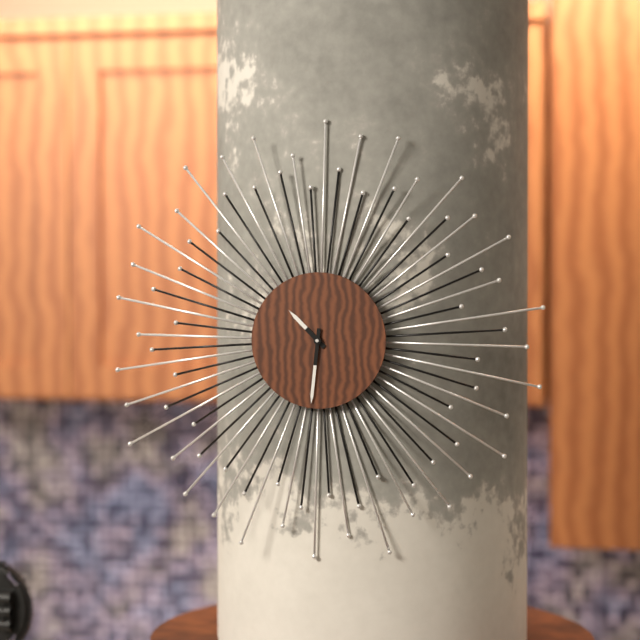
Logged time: **10:31**
